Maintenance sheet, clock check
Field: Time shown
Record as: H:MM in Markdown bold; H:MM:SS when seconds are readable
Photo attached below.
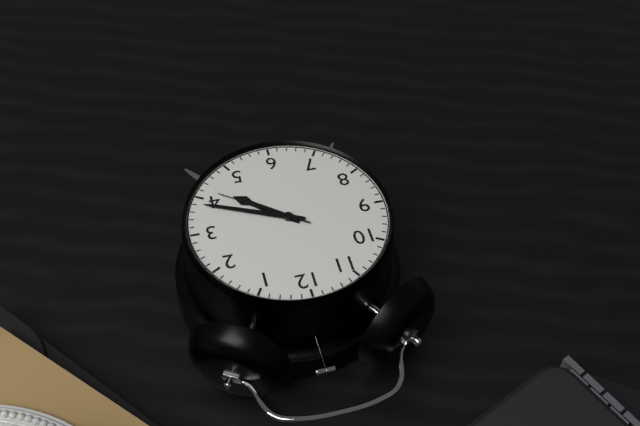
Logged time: **4:19:21**
